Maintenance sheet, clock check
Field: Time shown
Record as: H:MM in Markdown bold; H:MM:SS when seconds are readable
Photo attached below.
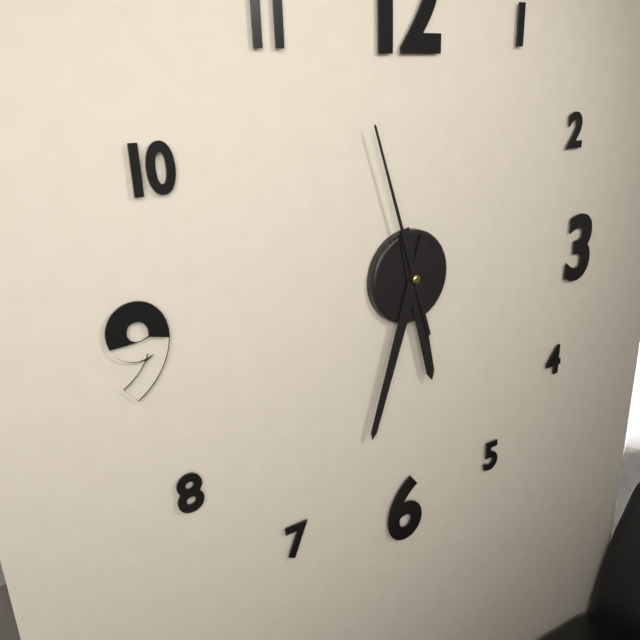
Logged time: **5:33:57**
